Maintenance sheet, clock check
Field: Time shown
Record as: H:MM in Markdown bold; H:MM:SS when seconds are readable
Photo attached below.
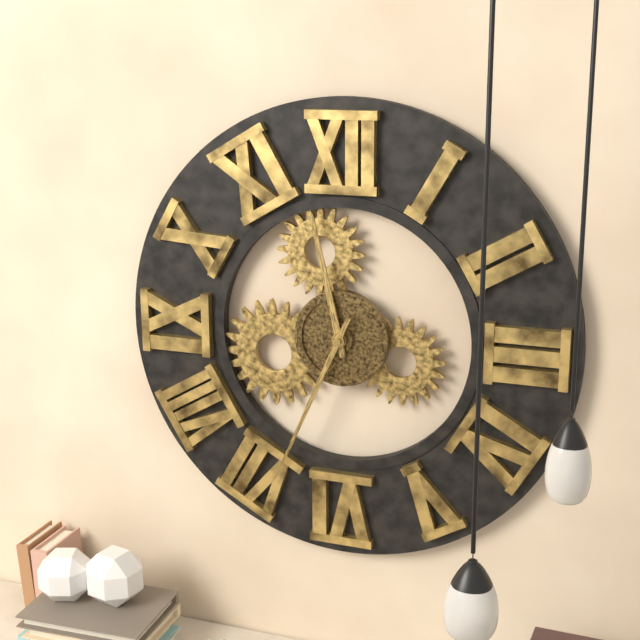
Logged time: **11:34**
